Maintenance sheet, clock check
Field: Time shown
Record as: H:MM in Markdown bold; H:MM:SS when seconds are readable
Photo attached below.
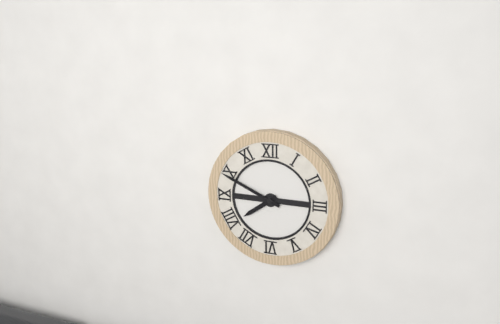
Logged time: **7:49**
